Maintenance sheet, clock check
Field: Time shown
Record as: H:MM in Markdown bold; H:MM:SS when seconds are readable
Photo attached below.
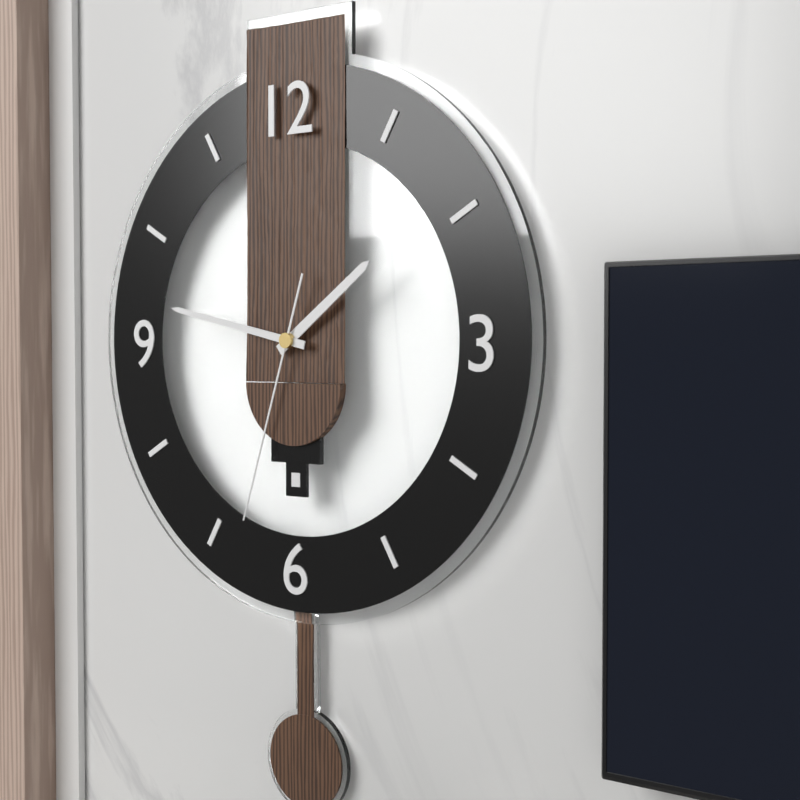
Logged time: **1:47:33**
